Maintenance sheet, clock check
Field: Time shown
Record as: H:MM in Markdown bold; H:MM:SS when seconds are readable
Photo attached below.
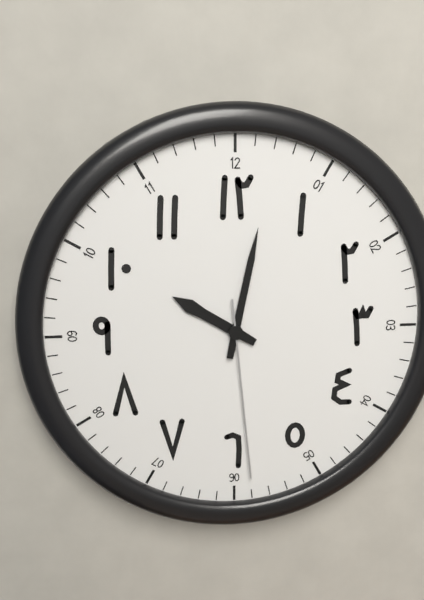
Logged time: **10:02:29**
